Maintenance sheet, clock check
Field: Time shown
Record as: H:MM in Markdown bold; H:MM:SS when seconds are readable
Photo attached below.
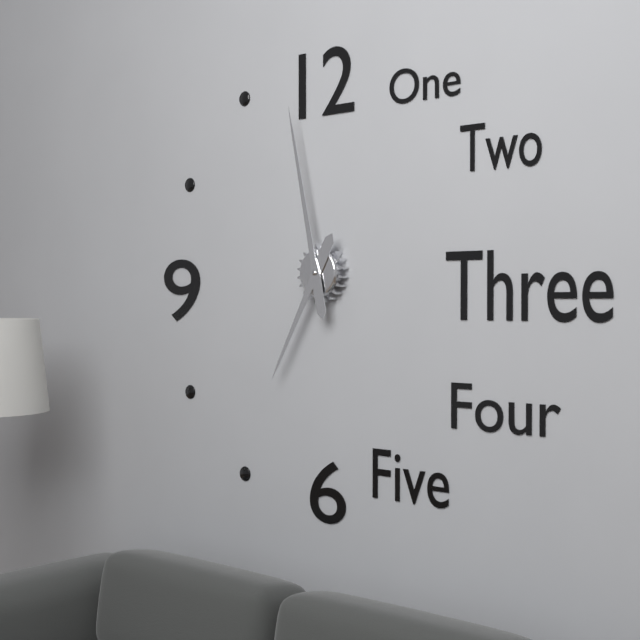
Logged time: **6:58**
